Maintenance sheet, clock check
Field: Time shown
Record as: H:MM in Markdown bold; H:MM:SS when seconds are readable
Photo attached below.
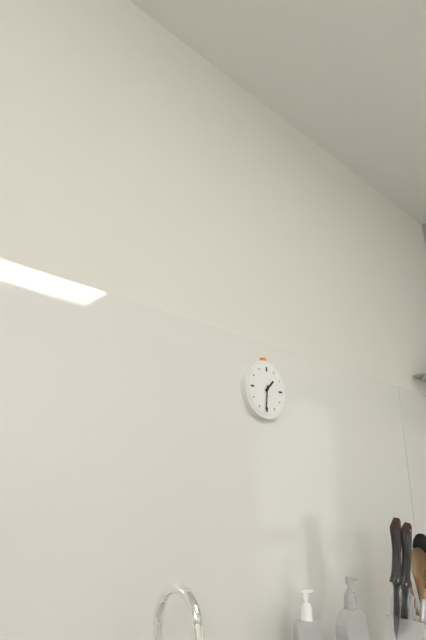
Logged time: **1:31**
